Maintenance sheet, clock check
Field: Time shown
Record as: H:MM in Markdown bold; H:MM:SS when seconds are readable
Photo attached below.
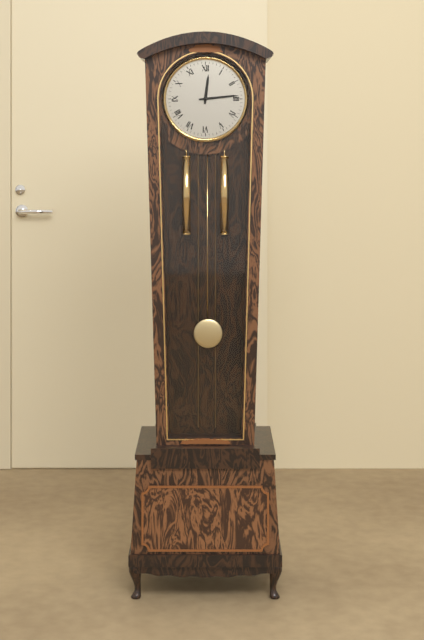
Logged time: **12:14**
